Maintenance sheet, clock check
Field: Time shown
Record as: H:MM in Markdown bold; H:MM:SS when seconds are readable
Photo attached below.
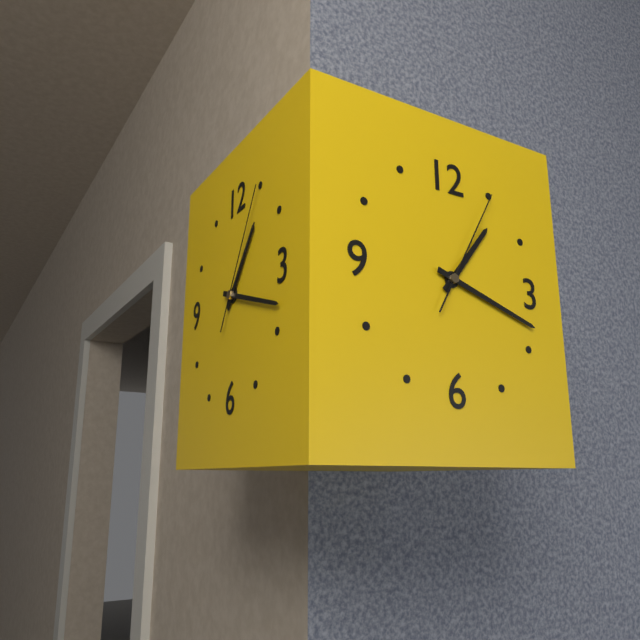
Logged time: **1:18:05**
